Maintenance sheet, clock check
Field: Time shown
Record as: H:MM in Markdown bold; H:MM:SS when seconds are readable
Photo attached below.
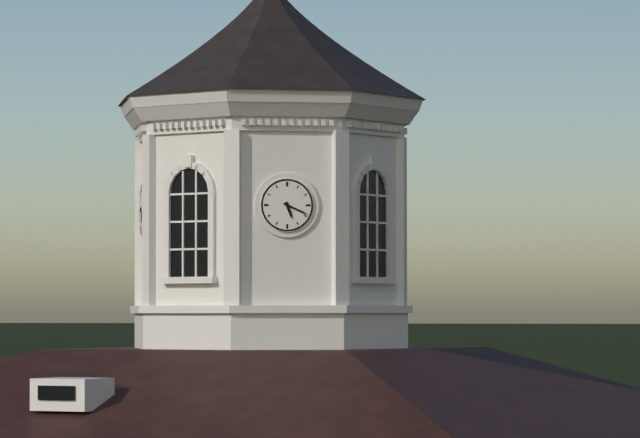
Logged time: **5:19**
